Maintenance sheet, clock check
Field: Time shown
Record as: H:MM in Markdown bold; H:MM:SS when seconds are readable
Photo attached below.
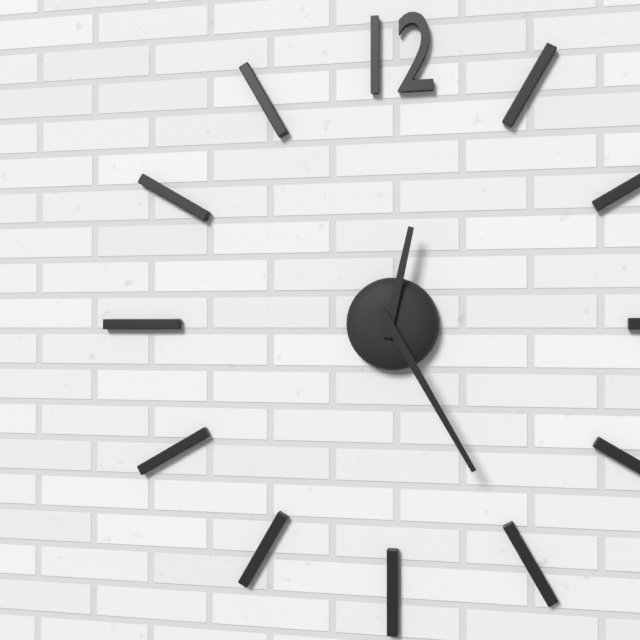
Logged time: **12:25**
